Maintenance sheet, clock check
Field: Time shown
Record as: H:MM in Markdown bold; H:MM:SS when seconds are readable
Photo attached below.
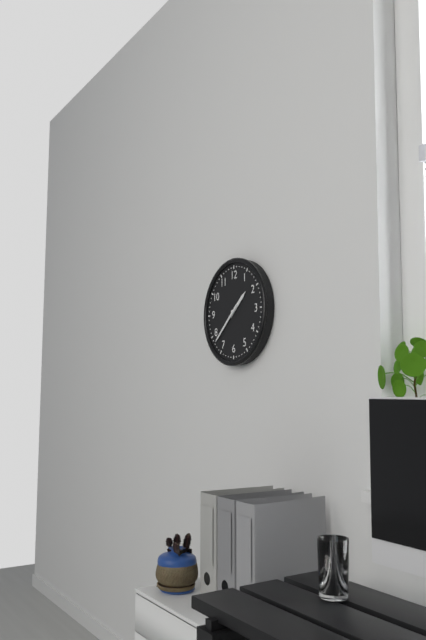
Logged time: **1:38**
